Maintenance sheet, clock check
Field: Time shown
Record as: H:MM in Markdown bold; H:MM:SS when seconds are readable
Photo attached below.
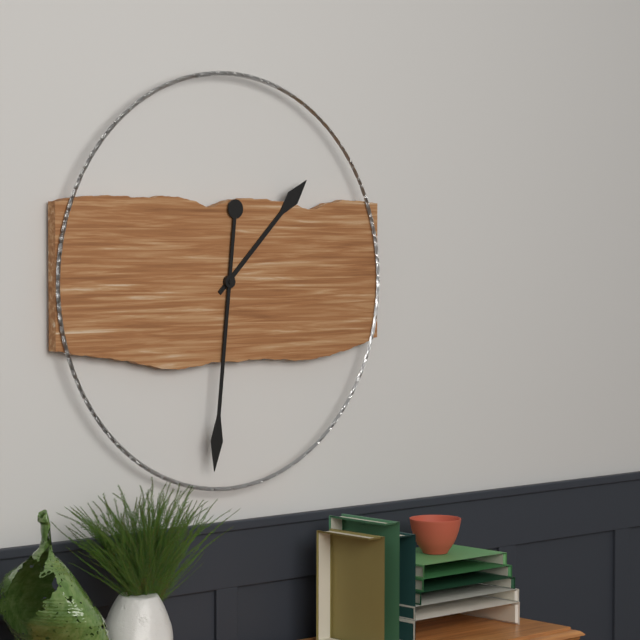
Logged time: **1:31**
